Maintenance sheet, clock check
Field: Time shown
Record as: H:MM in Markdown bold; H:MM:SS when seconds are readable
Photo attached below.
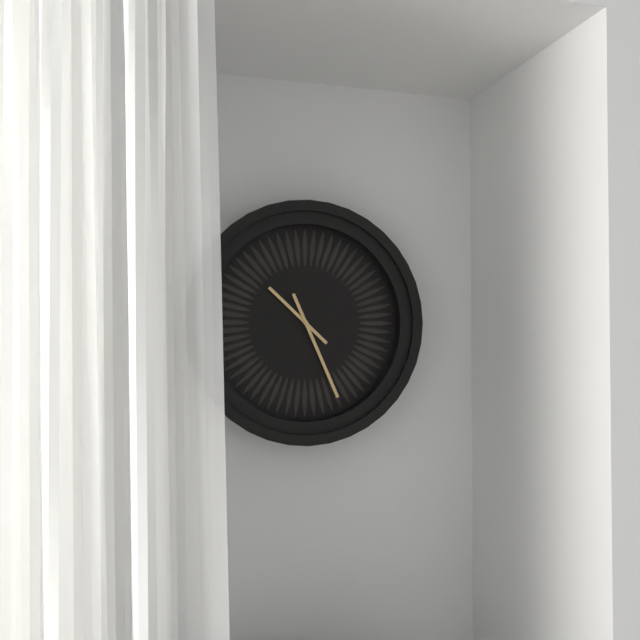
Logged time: **10:26**
